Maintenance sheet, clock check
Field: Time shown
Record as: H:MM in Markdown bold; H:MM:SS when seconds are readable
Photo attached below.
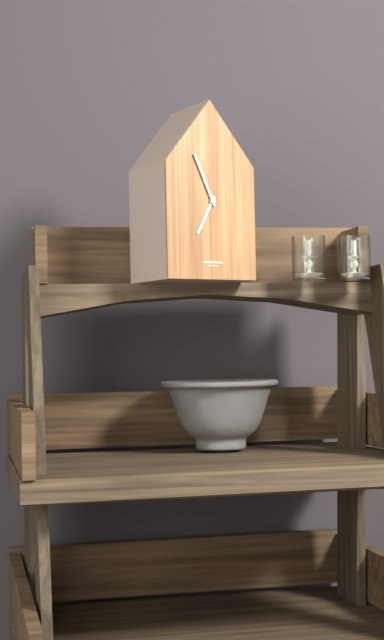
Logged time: **6:56**
